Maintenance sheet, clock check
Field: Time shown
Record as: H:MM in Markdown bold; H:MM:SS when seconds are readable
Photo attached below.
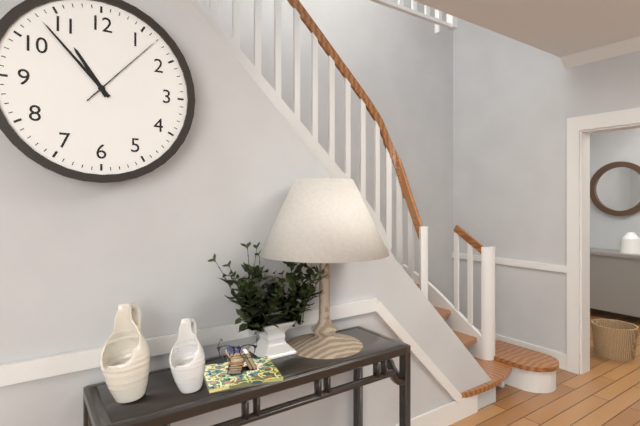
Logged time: **10:53:07**
